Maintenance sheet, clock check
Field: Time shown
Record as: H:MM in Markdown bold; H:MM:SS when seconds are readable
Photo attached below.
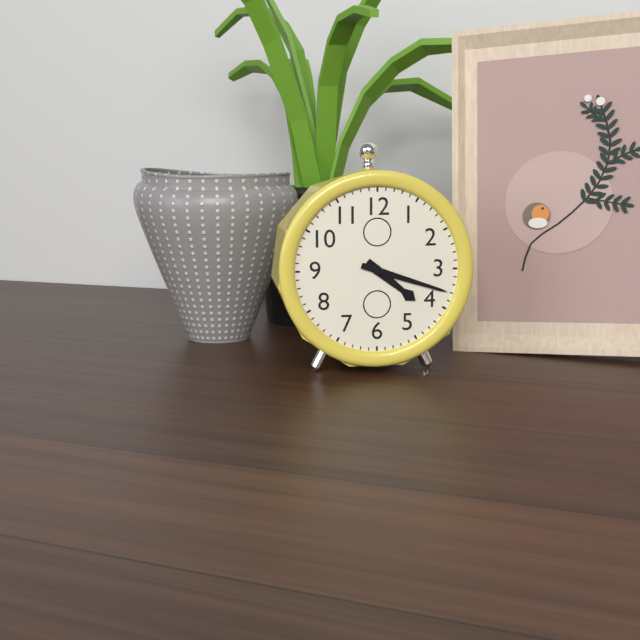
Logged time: **4:18**
